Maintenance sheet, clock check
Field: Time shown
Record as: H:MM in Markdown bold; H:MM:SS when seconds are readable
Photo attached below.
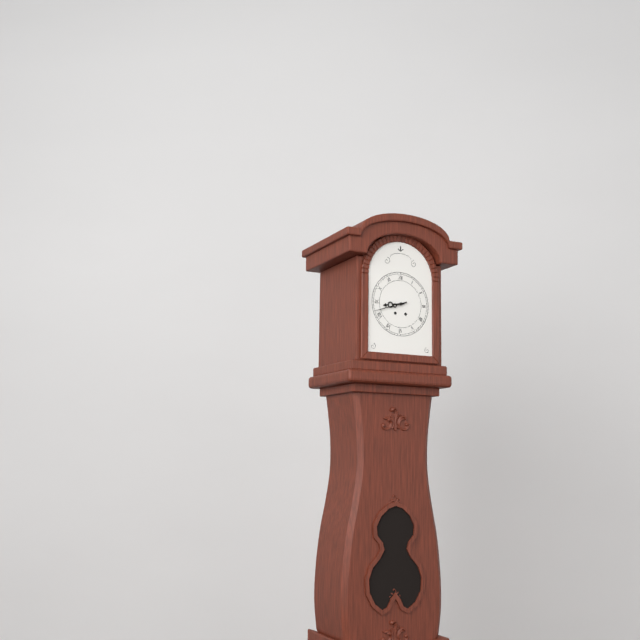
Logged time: **8:42**
